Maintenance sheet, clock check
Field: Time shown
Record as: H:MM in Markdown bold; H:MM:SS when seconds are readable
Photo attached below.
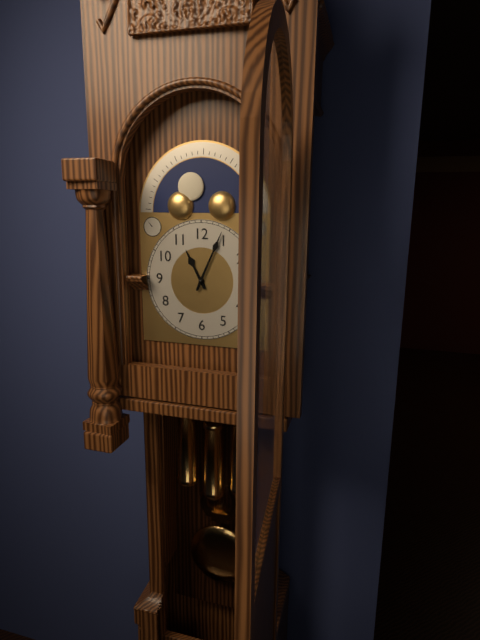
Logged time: **11:04**
